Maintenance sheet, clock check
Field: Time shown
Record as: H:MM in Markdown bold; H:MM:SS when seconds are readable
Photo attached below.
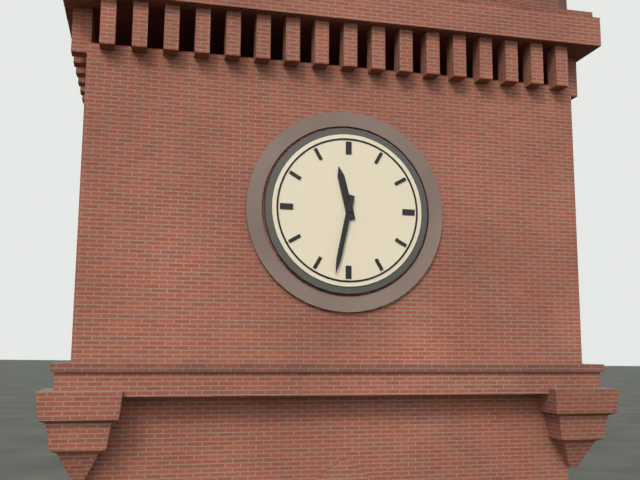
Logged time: **11:32**
